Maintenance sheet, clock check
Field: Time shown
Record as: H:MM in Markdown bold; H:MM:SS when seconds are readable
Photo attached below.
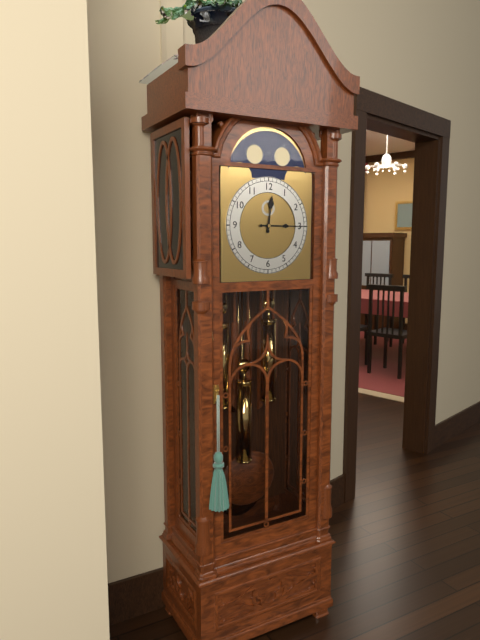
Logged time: **12:15**
